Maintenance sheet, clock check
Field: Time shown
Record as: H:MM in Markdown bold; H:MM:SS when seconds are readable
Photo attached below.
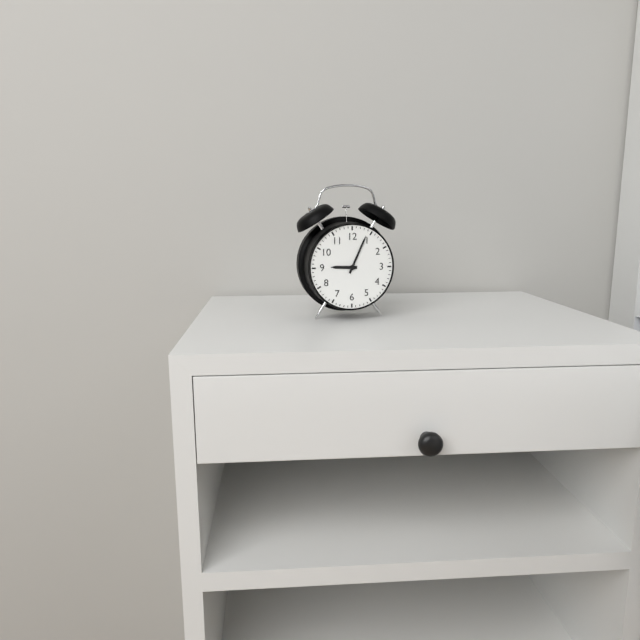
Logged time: **9:04**
